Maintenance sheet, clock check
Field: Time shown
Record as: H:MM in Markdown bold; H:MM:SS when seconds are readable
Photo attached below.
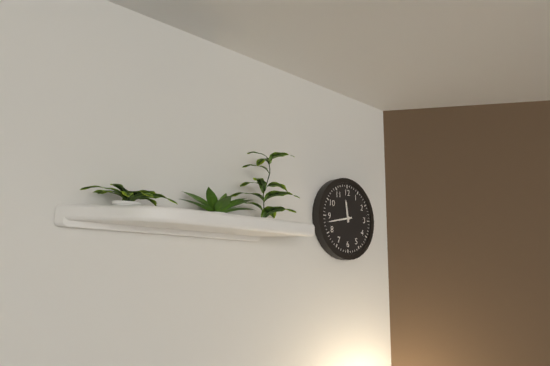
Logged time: **11:43**
